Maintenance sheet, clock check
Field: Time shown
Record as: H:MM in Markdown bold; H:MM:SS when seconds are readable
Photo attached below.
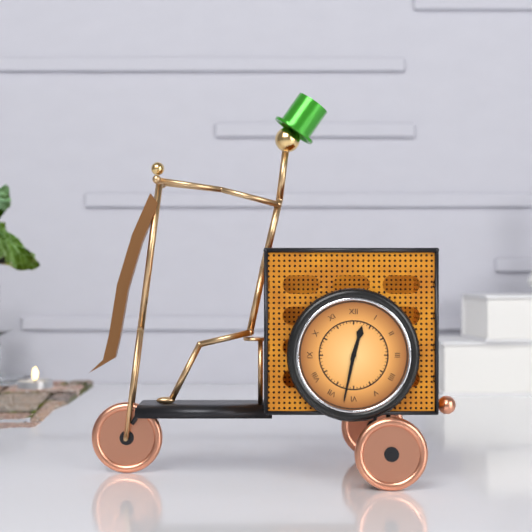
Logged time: **12:32**
